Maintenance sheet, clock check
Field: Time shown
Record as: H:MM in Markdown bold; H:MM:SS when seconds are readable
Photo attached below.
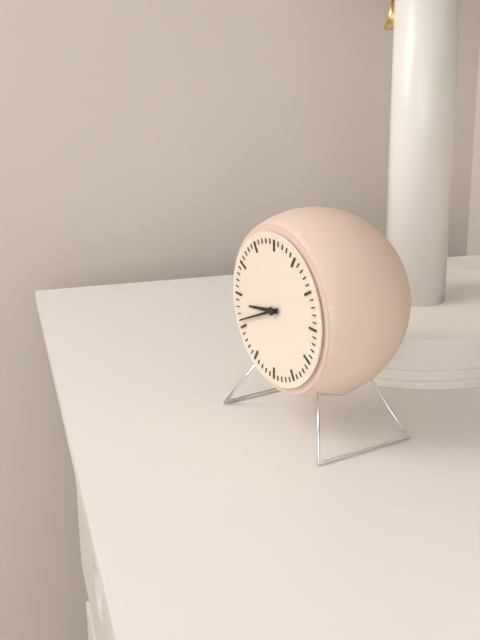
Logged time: **8:41**
